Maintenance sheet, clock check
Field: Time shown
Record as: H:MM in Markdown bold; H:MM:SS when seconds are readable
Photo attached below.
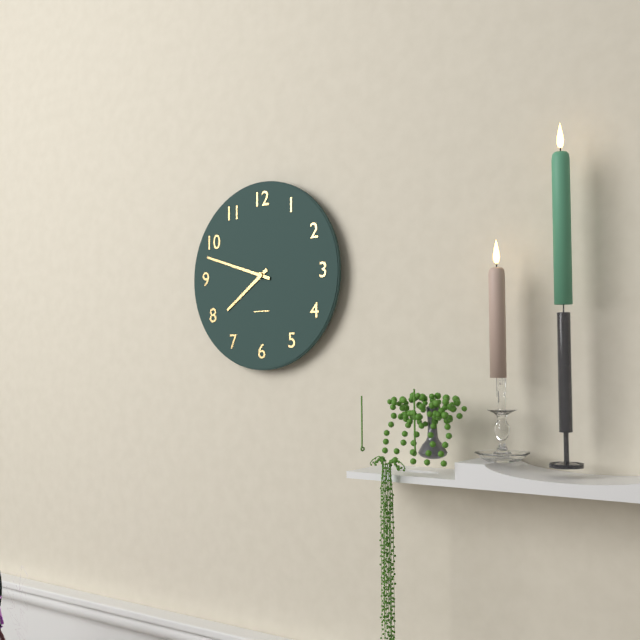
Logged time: **7:48**
